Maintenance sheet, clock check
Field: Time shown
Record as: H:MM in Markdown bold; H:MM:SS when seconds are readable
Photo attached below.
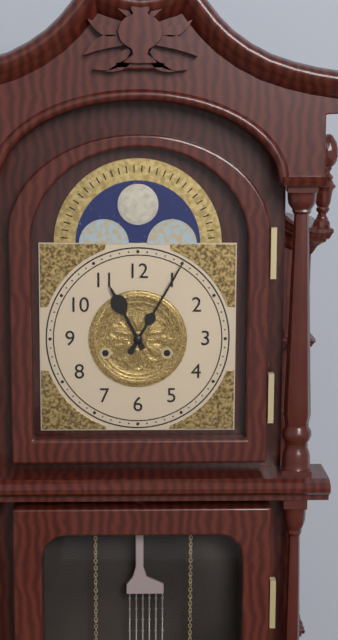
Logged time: **11:05**
